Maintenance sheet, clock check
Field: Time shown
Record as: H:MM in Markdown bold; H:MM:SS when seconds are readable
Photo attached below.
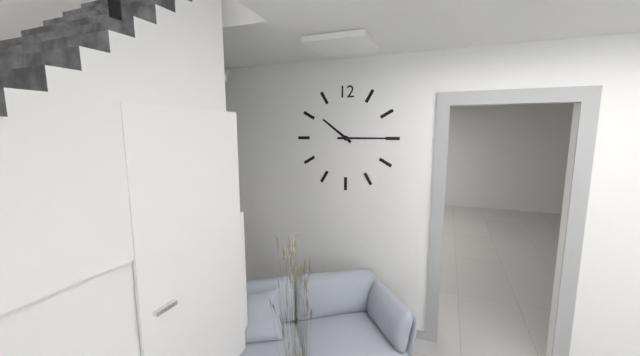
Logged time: **10:15**
